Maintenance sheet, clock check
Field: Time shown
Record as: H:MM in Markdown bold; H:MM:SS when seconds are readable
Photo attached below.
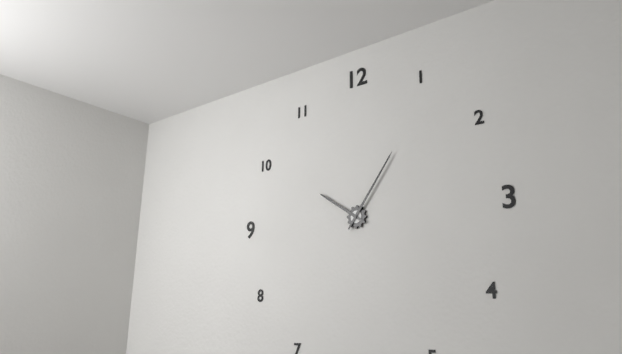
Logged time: **10:06**
